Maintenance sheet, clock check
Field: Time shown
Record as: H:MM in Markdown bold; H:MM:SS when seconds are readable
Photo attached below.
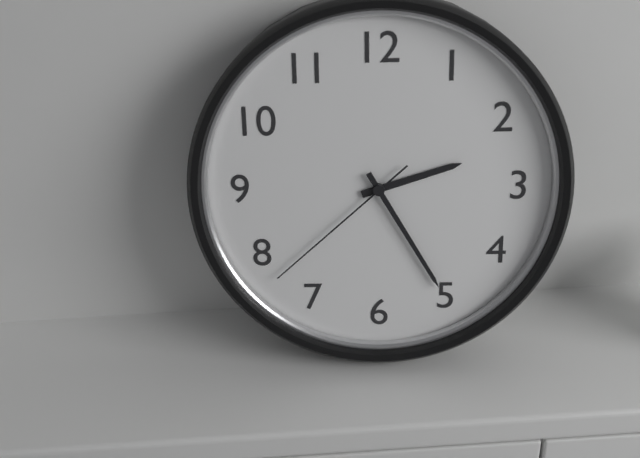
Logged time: **2:25:38**
